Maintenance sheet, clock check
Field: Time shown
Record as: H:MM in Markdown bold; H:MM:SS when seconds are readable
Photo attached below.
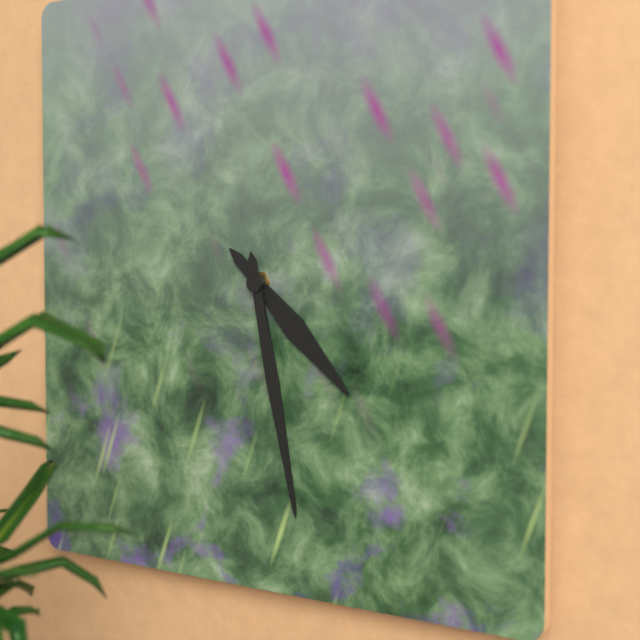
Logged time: **4:28**
